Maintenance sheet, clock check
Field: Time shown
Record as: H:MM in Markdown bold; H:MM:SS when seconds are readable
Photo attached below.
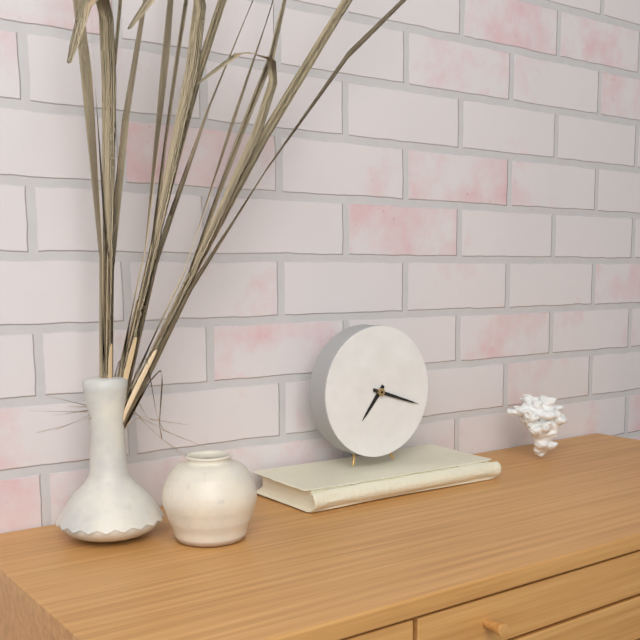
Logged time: **7:18**
